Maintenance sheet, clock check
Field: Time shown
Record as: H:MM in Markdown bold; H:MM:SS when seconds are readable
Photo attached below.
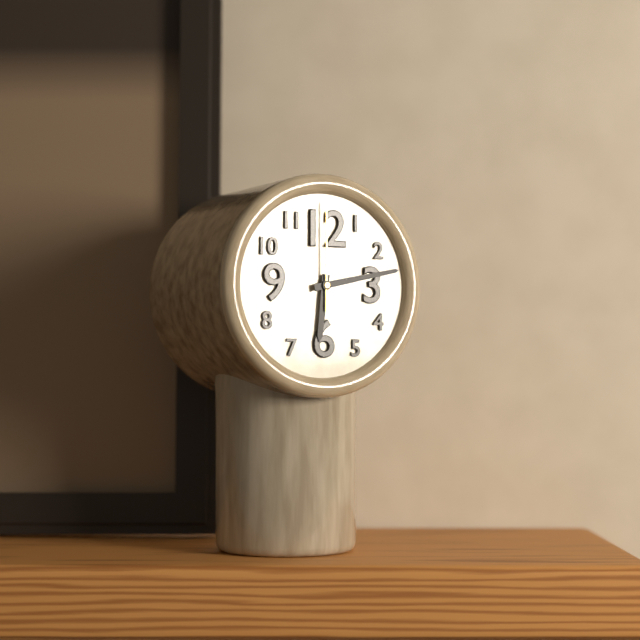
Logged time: **6:13:00**
